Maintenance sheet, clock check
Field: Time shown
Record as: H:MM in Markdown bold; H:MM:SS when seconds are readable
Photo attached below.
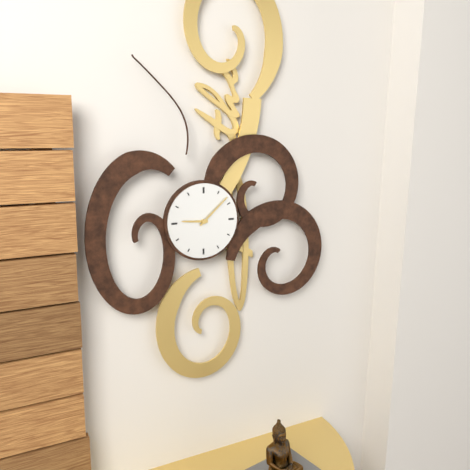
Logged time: **9:08**
